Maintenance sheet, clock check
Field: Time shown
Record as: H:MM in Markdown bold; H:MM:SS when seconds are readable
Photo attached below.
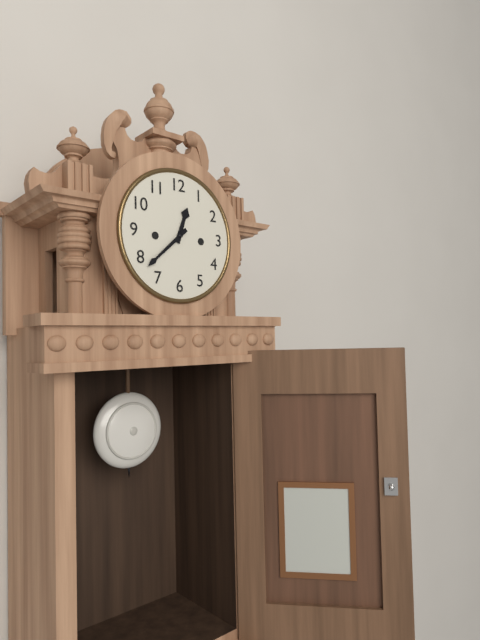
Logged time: **12:38**
